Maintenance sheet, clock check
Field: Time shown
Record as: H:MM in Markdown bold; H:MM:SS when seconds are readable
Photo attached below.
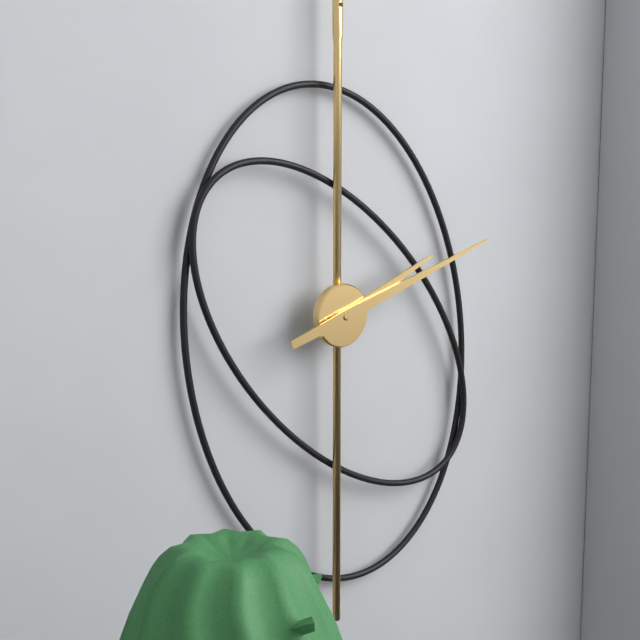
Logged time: **2:12**
